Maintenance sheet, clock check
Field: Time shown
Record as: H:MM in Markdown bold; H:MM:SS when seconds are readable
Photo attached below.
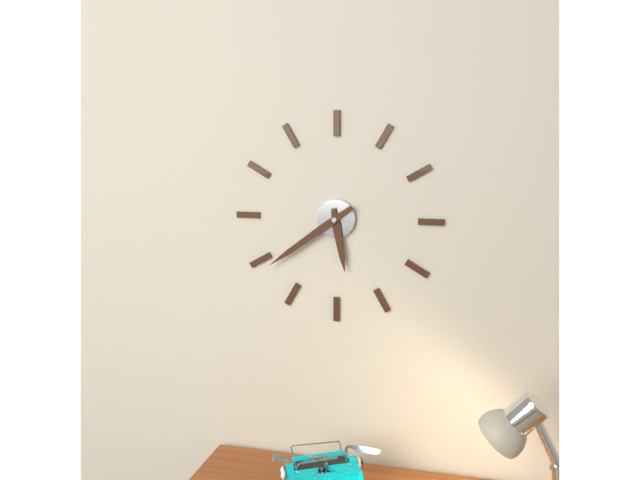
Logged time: **5:39**
